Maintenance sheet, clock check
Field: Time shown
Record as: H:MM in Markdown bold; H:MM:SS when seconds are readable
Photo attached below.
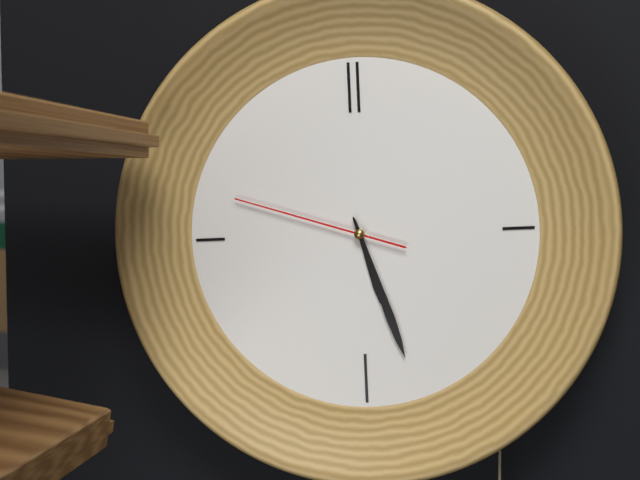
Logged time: **5:27:48**
